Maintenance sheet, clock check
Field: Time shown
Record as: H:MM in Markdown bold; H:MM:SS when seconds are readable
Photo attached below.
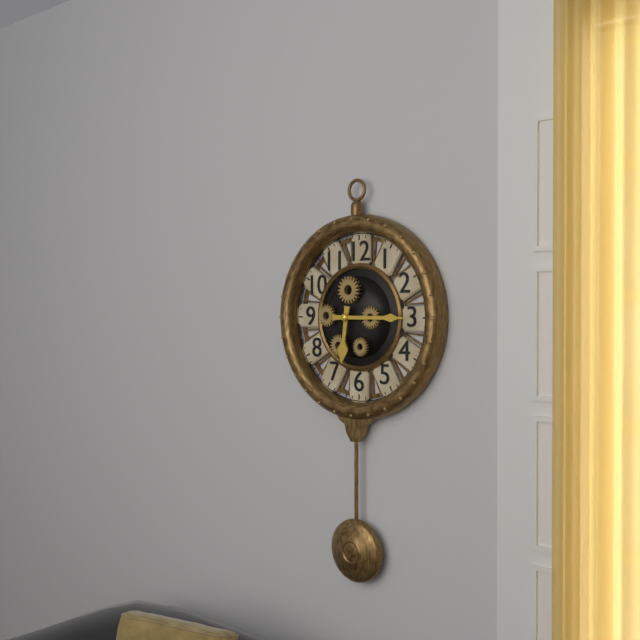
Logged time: **6:15**
